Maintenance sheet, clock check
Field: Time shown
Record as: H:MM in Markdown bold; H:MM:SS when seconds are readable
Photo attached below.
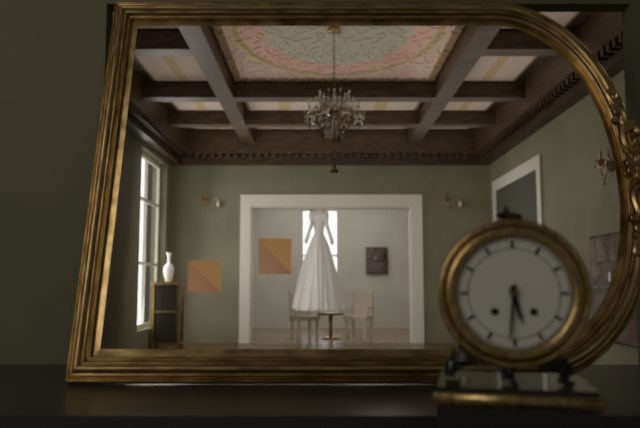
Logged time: **5:31**
